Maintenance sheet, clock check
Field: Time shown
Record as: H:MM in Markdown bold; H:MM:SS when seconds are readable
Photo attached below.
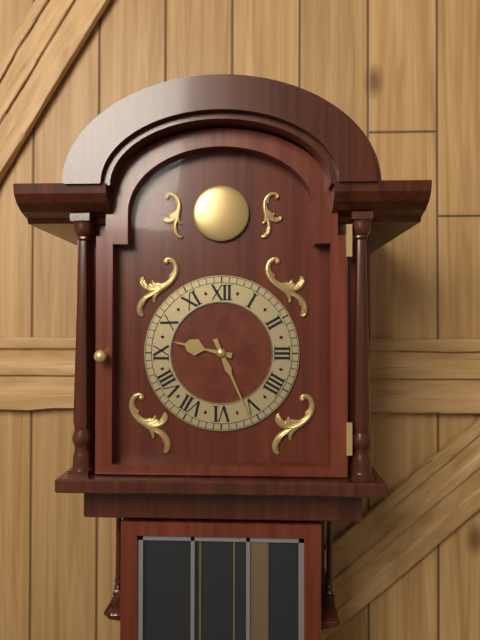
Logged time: **9:26**
